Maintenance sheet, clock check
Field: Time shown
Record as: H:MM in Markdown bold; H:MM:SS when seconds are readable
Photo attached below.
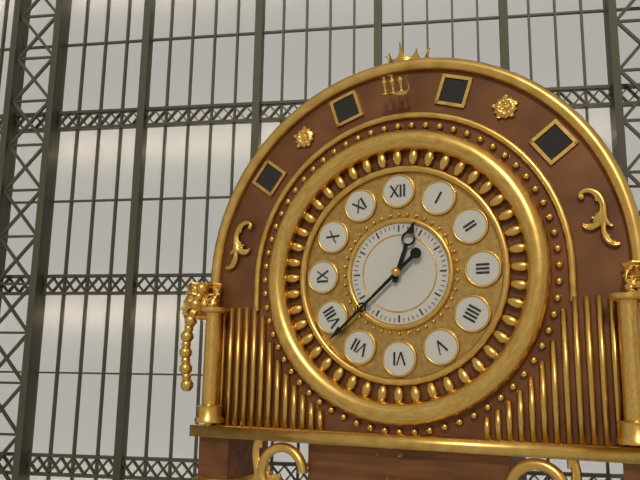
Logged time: **12:38**
